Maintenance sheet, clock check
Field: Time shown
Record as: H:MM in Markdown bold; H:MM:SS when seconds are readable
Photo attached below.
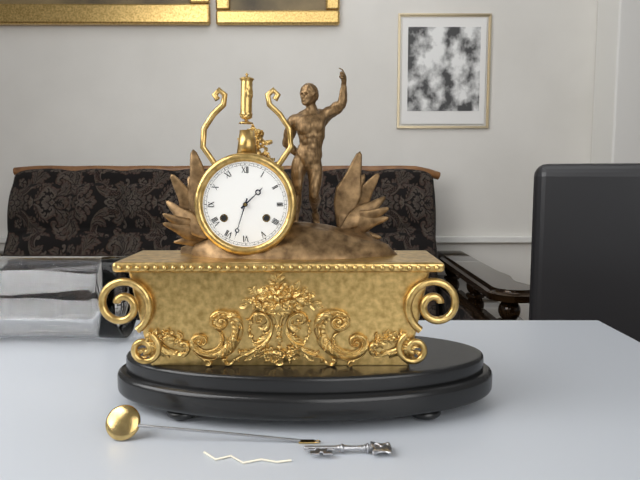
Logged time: **1:33**
